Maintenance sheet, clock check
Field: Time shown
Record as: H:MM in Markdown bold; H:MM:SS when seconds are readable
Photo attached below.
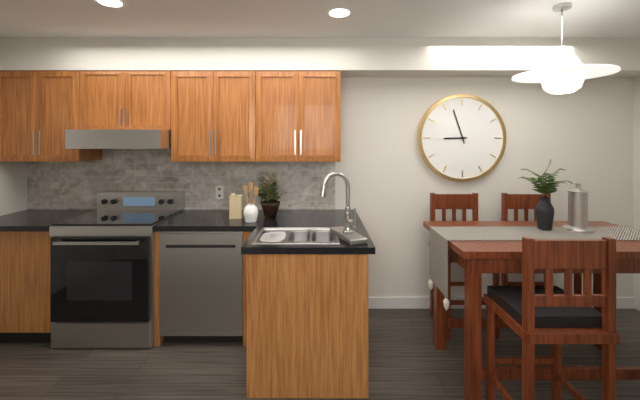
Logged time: **8:57**
